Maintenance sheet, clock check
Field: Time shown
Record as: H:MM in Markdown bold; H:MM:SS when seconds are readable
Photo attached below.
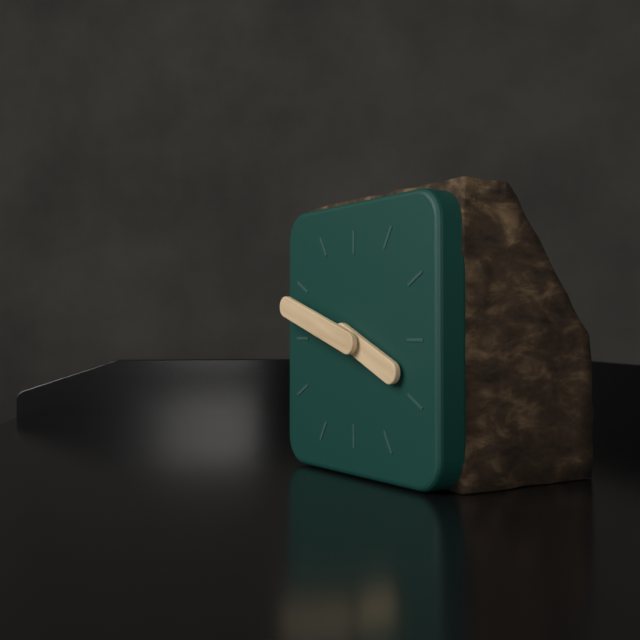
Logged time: **3:48**
